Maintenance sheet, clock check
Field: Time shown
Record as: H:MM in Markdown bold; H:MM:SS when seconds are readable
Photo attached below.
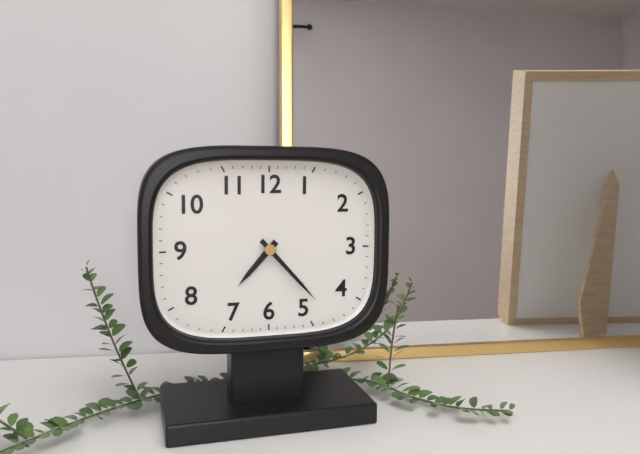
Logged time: **7:23**
